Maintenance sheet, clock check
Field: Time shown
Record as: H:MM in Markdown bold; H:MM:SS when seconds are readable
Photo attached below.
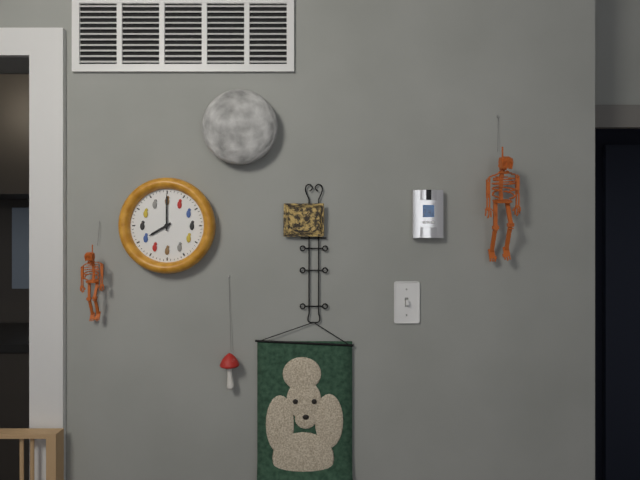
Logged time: **8:00**
